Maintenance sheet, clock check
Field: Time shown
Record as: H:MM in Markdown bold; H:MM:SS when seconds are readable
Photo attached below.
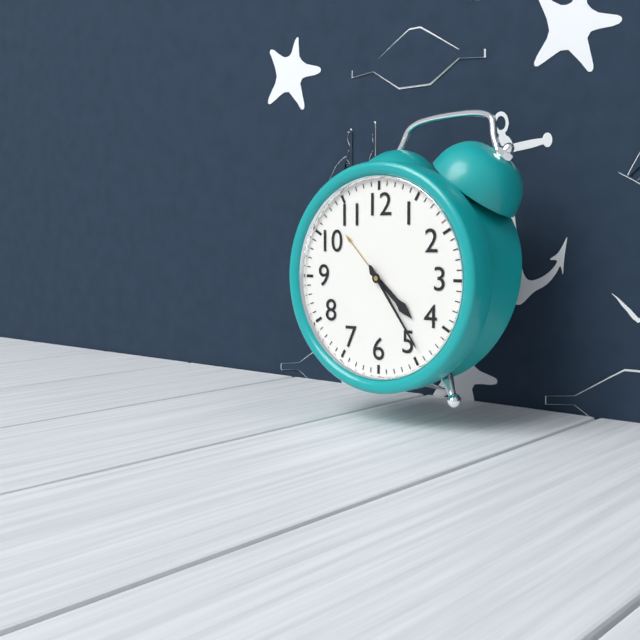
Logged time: **4:24**
